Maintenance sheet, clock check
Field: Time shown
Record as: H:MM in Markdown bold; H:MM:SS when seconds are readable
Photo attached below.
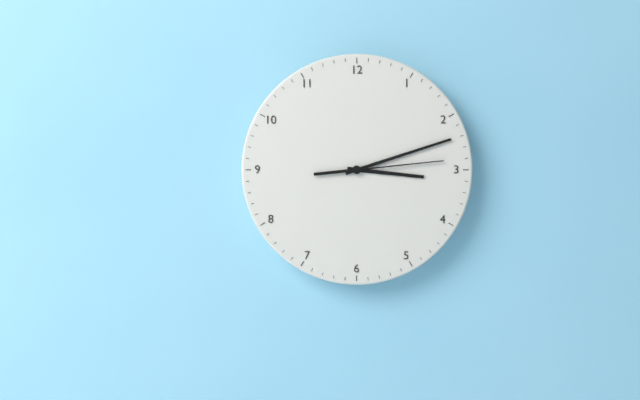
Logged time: **3:12:14**
